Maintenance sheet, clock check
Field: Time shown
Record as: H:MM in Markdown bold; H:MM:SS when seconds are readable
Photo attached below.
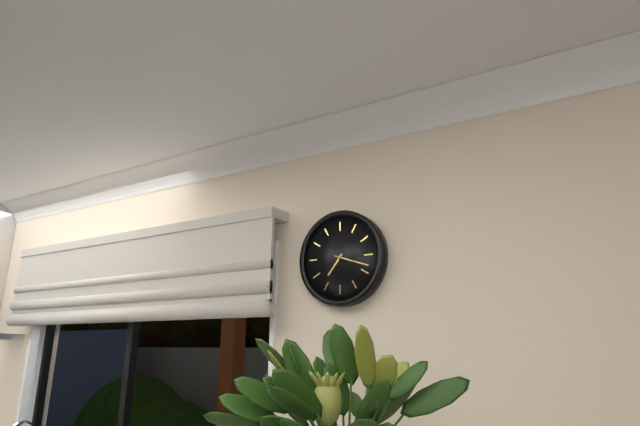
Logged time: **7:18**
